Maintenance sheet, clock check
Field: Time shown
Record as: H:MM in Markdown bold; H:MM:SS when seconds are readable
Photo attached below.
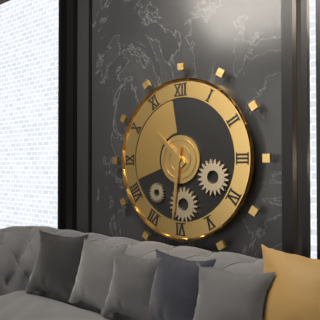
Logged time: **10:31**
